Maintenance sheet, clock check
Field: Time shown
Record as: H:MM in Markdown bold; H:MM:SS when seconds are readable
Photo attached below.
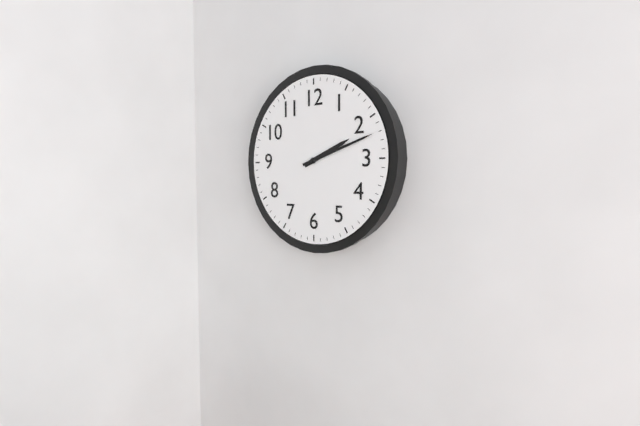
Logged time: **2:12**
